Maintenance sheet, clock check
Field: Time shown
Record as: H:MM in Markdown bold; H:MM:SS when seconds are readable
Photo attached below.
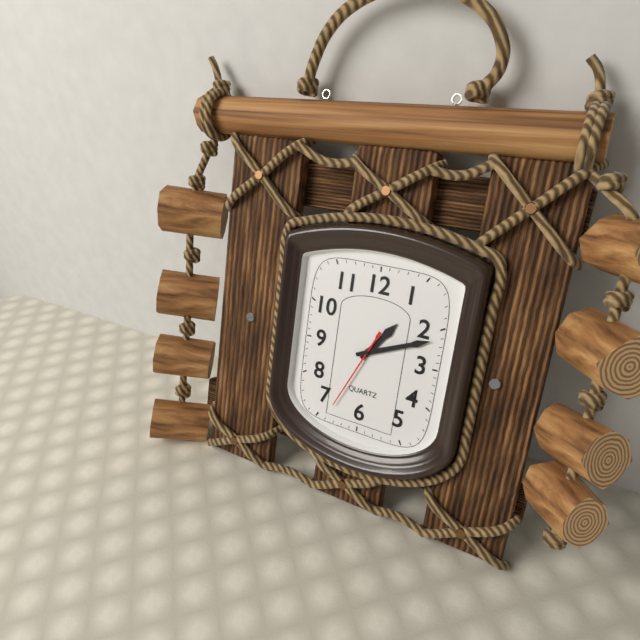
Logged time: **1:11:34**
